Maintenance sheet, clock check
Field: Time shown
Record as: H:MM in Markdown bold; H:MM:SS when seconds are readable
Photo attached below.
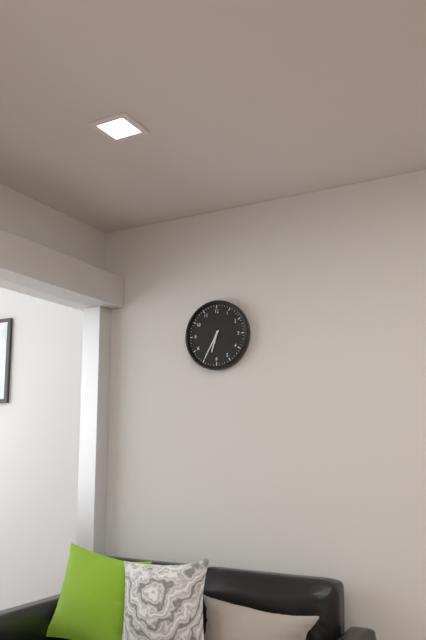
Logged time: **6:35**
